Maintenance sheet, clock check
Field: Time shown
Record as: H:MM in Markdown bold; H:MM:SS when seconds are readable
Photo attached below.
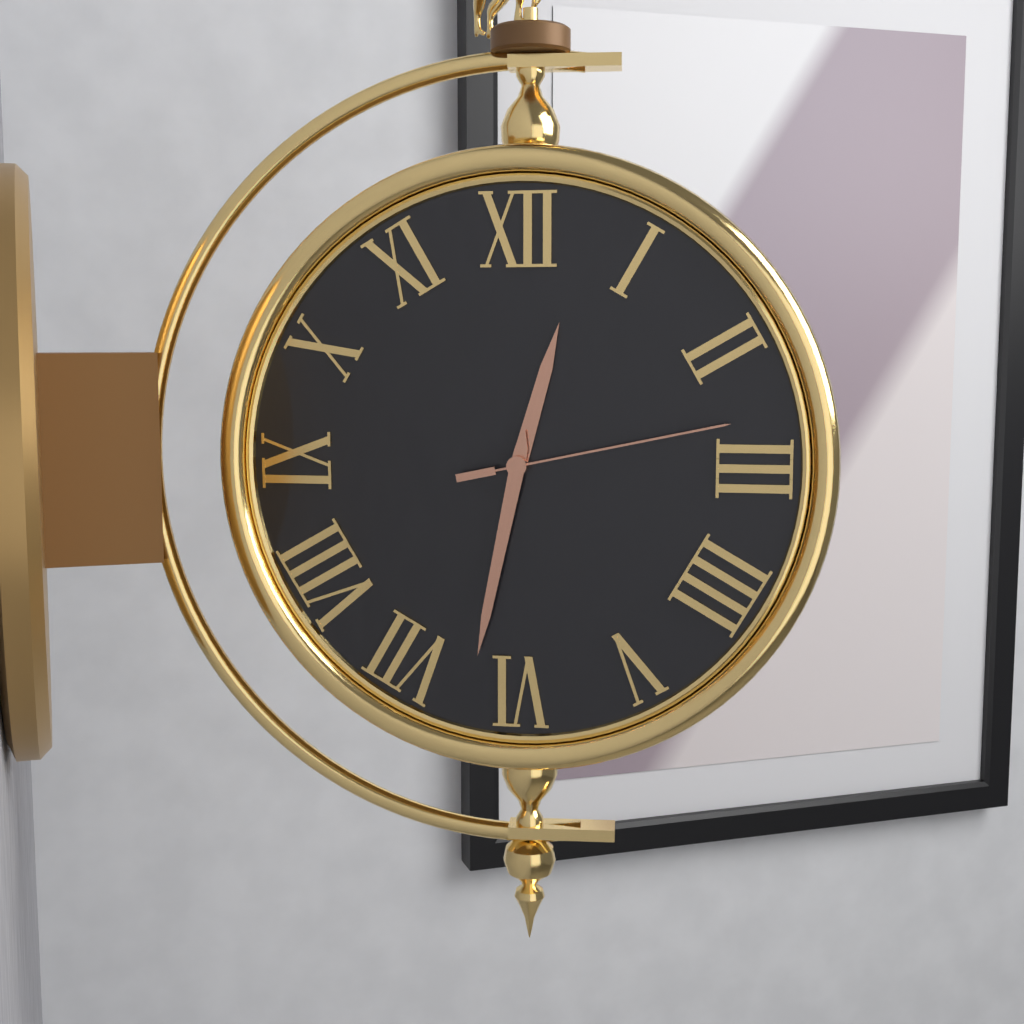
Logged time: **12:32:13**
